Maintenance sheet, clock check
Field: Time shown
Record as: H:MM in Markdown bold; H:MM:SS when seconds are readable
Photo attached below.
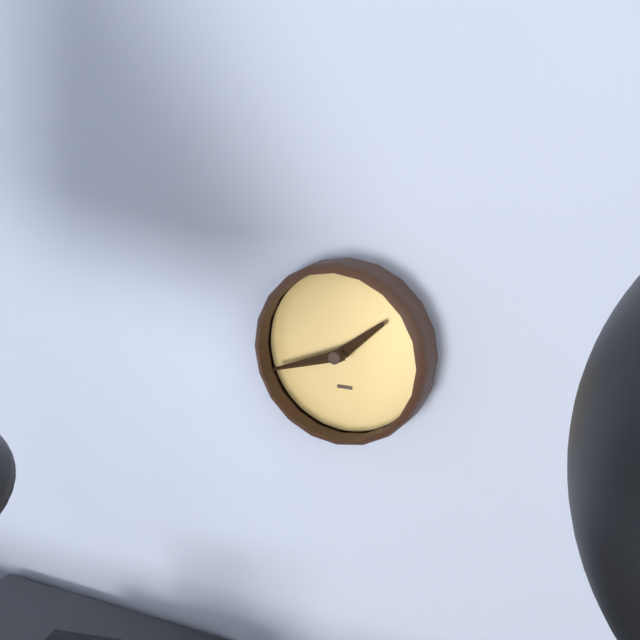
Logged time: **1:42**
